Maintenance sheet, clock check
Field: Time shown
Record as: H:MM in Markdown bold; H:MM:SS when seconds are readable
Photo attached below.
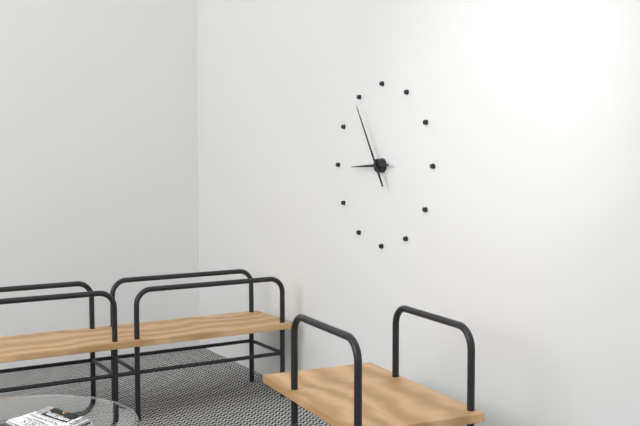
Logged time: **8:55**
